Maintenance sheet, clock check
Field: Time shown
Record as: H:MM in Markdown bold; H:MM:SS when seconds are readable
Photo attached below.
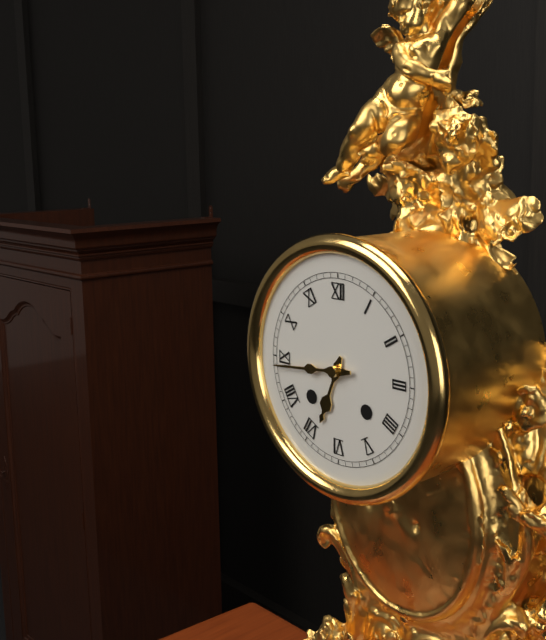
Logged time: **6:44**
